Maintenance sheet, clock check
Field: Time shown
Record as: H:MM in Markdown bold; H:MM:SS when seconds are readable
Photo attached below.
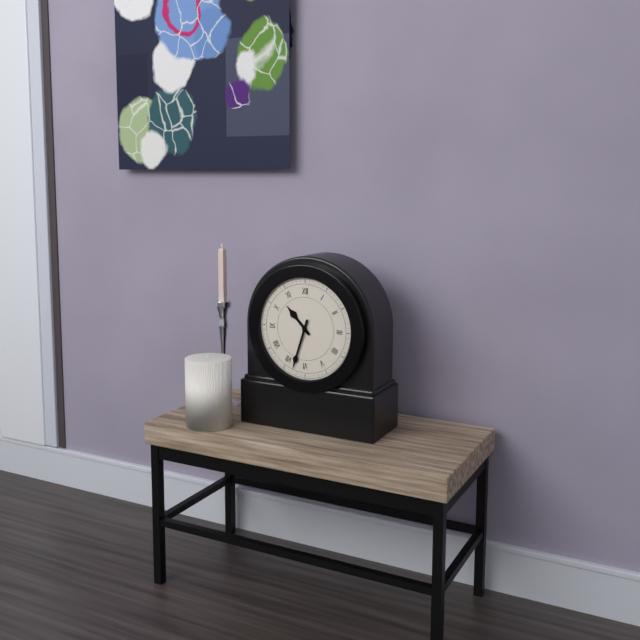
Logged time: **10:33**
